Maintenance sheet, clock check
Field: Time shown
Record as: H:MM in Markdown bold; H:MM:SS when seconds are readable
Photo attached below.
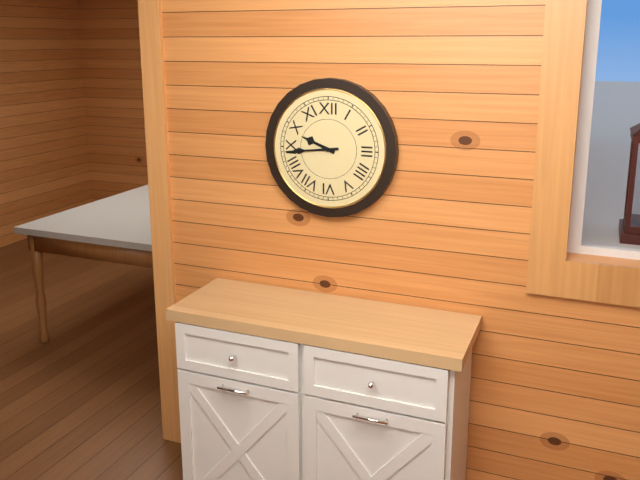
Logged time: **9:44**
